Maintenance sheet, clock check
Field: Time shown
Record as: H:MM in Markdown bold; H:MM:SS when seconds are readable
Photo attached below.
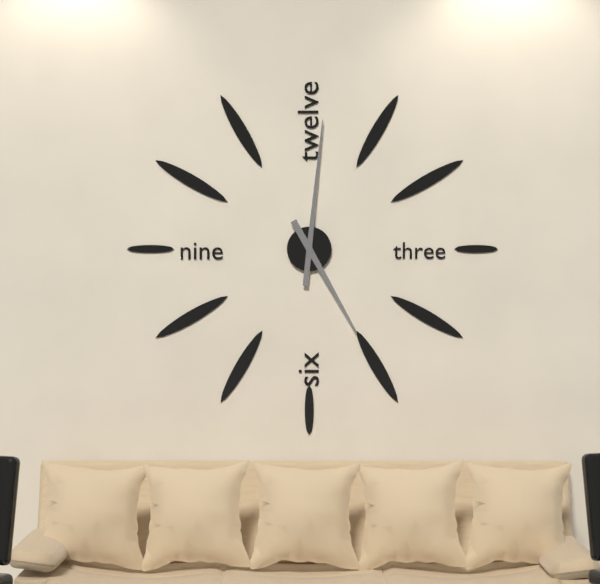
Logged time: **5:01**
